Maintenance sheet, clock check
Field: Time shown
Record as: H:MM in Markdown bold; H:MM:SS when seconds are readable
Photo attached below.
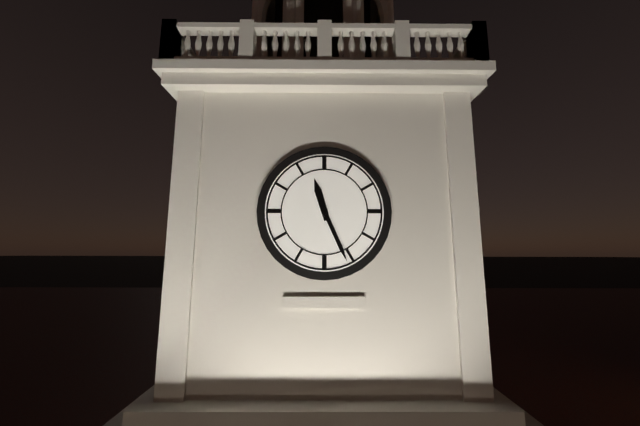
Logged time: **11:26**
